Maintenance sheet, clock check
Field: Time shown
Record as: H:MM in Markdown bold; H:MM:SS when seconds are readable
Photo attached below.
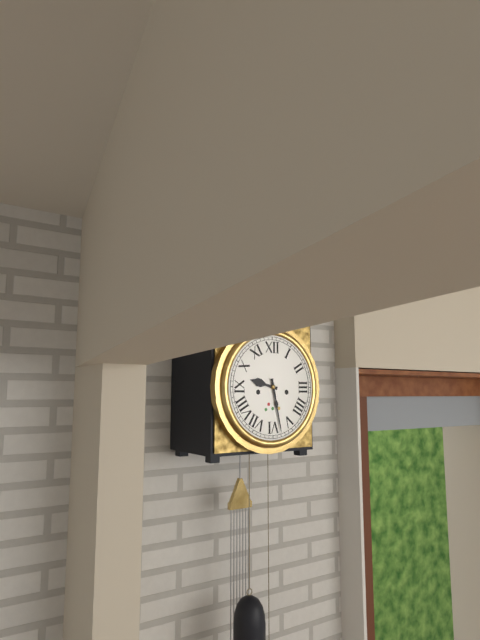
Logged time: **9:28**
